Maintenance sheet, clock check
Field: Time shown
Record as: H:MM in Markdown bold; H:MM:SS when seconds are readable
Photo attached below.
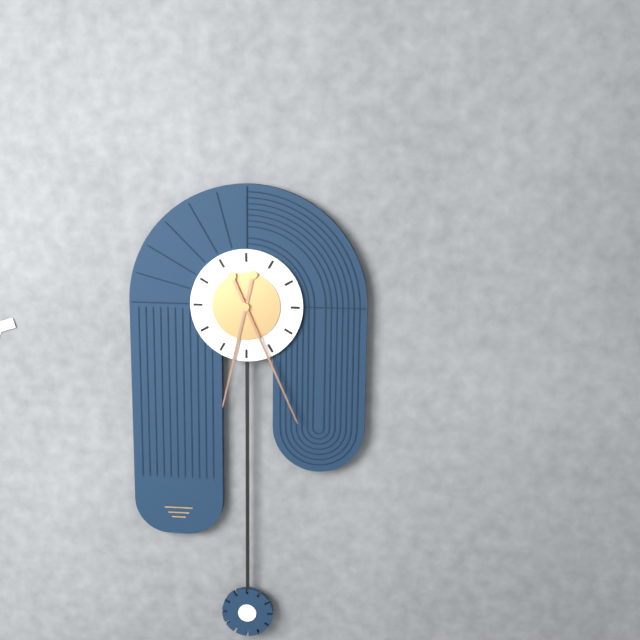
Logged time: **6:26**
